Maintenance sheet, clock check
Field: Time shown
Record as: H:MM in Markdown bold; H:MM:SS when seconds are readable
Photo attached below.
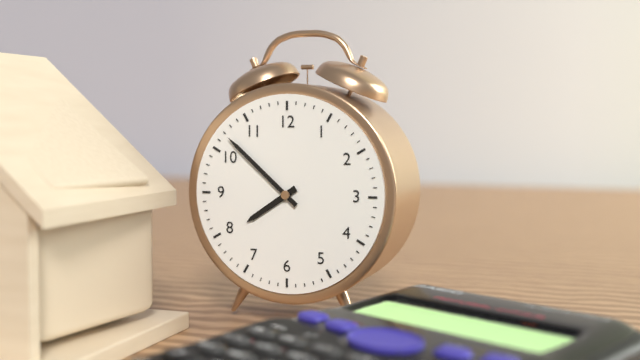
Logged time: **7:52**
